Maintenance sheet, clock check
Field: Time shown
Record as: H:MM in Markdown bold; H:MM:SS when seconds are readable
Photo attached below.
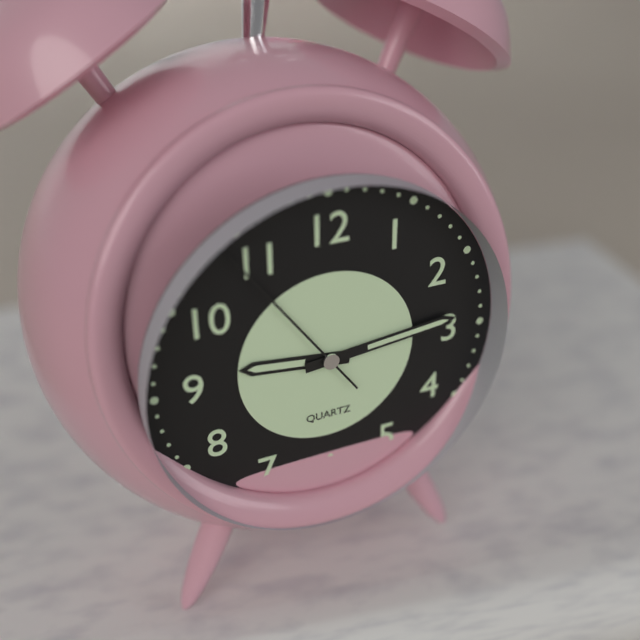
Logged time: **9:14:54**
